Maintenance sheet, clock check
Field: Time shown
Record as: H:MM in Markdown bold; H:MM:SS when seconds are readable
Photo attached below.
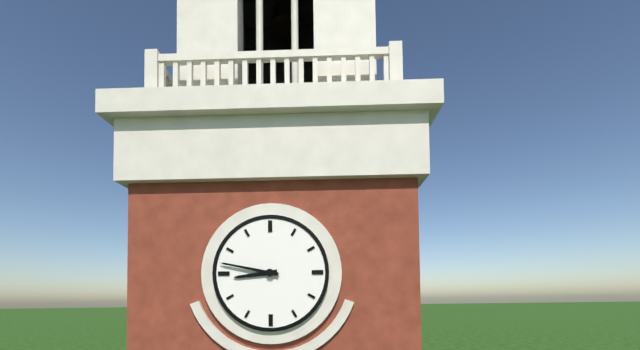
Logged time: **8:47**
